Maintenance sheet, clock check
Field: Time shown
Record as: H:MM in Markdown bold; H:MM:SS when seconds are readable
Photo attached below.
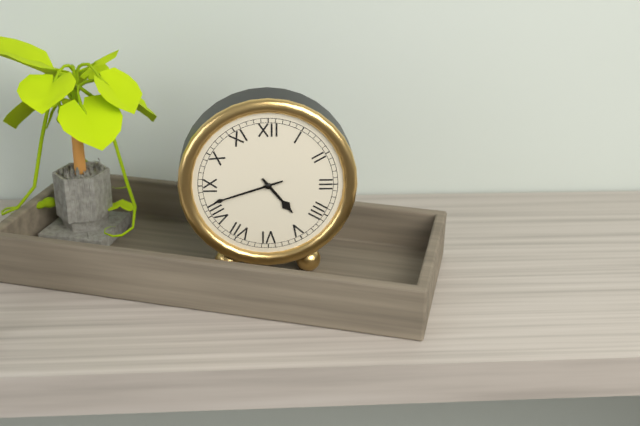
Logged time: **4:42**
